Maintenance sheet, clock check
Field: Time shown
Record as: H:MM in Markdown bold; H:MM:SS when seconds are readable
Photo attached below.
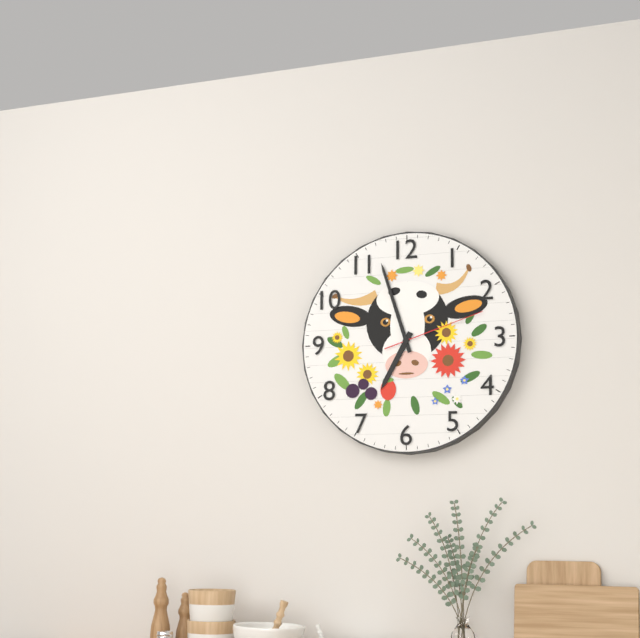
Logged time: **6:57:12**
